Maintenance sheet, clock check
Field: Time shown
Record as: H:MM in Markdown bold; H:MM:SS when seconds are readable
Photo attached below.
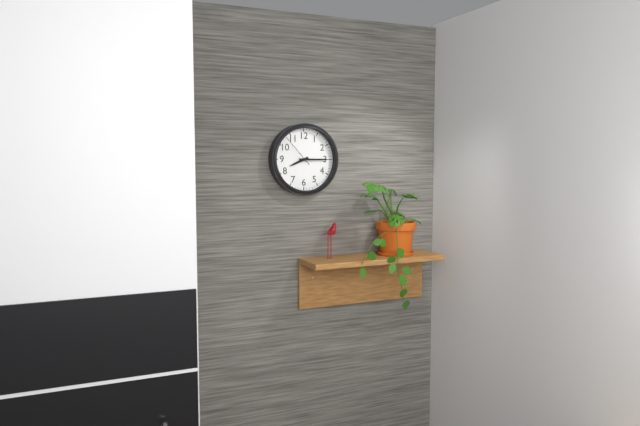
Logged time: **8:15**
